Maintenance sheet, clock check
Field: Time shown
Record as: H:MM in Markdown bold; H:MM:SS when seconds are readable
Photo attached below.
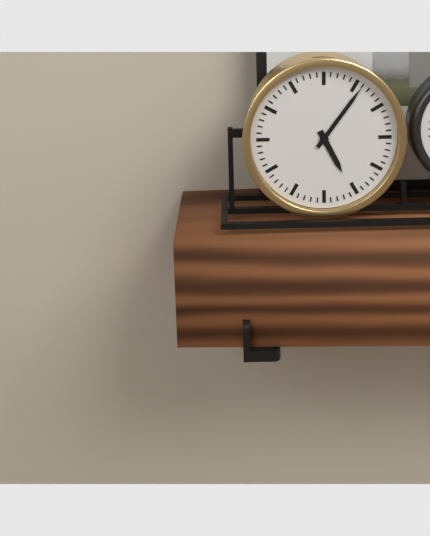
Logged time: **5:06**
